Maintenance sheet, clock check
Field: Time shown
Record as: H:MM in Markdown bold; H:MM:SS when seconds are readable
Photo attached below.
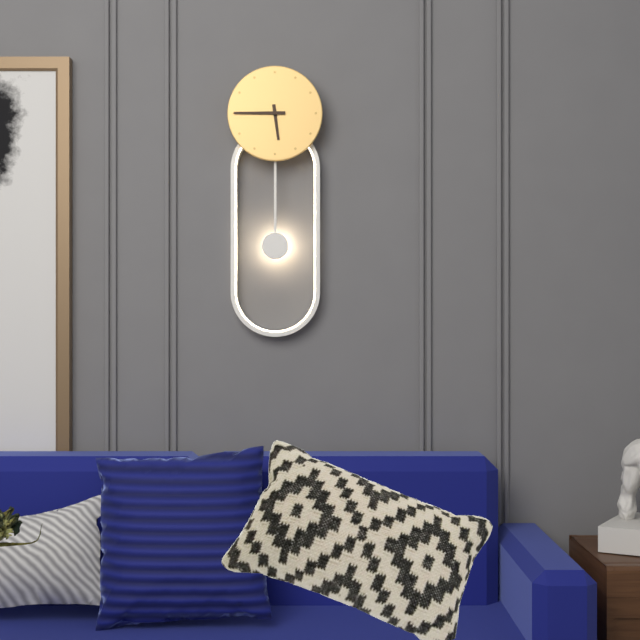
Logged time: **5:45**
